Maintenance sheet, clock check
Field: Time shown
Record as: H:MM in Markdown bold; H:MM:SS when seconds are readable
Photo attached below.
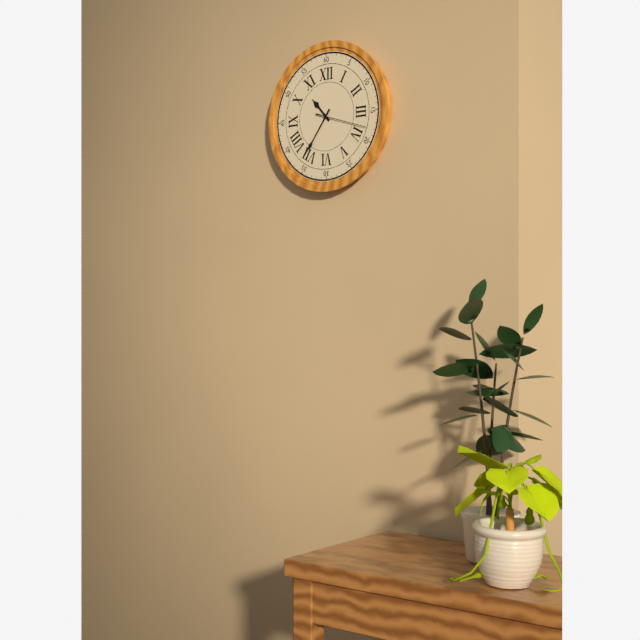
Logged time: **10:36:18**
